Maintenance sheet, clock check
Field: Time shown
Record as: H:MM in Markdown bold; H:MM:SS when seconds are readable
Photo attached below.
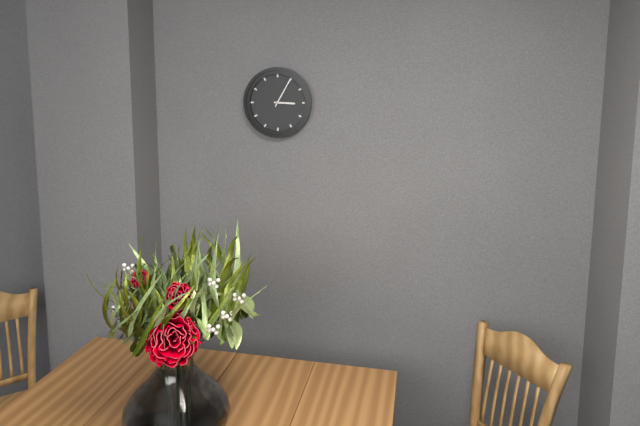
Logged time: **3:05**
